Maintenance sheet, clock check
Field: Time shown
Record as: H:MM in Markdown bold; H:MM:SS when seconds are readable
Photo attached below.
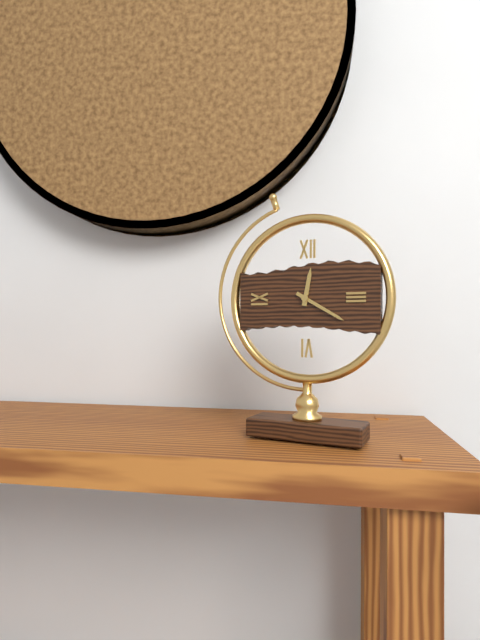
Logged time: **12:20**
